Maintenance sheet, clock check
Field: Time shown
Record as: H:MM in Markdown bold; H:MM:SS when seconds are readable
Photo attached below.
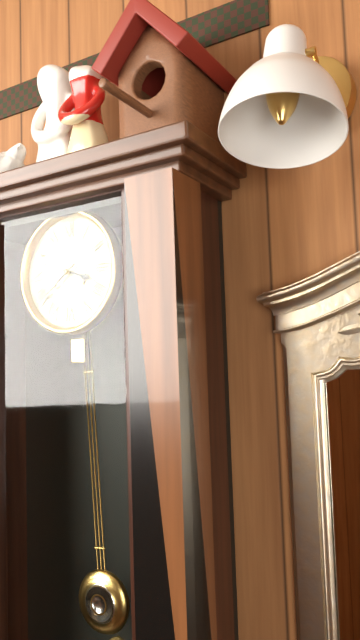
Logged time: **3:39**
